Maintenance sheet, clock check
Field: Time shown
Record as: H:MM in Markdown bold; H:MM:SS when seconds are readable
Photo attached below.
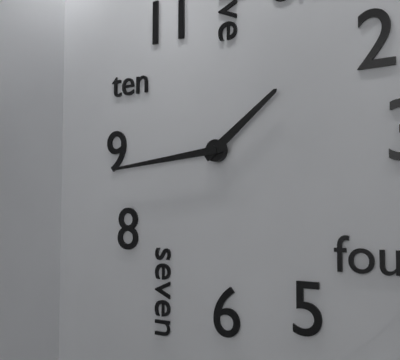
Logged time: **1:44**
